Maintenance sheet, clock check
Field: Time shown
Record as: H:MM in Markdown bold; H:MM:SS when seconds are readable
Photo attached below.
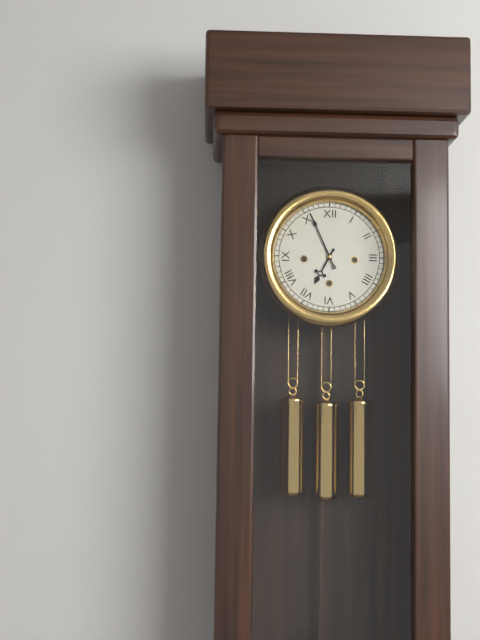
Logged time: **6:56**
